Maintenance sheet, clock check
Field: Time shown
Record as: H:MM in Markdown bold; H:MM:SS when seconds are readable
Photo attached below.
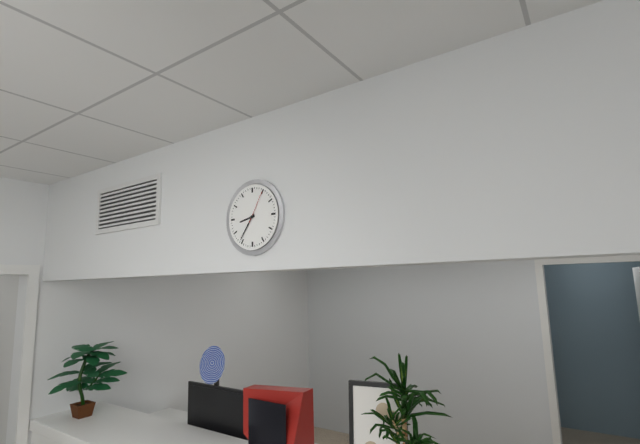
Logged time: **8:36**
